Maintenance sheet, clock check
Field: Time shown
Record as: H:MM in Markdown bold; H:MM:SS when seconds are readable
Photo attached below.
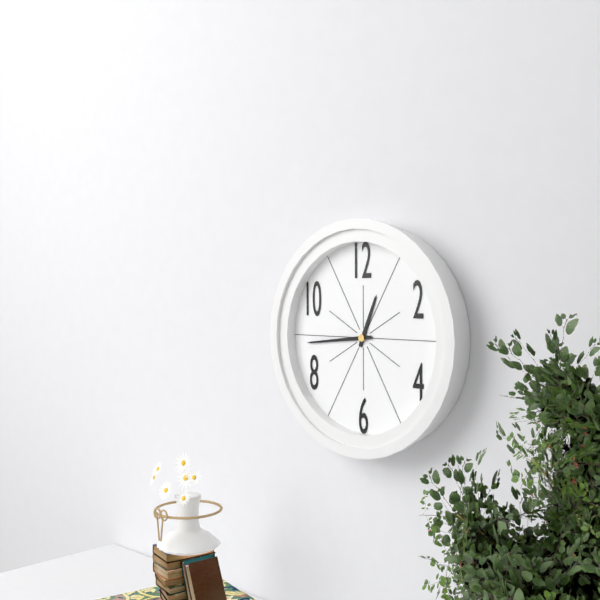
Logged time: **12:44**
